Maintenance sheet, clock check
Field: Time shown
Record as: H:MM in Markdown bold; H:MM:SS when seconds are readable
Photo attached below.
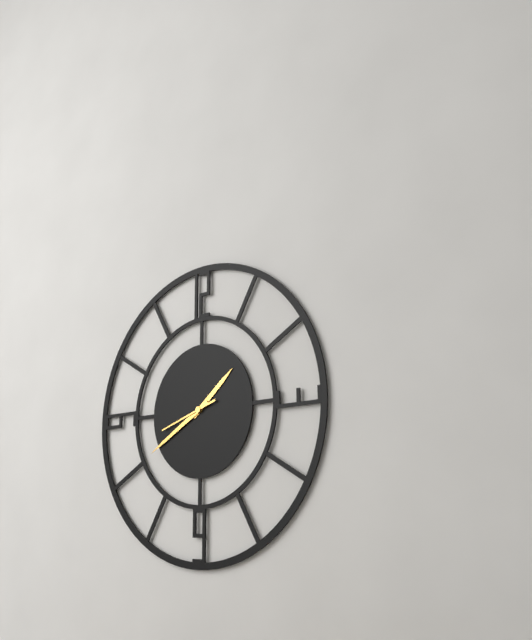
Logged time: **1:40:42**
